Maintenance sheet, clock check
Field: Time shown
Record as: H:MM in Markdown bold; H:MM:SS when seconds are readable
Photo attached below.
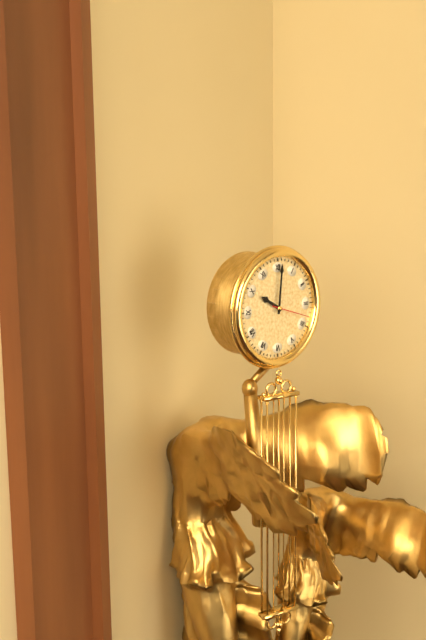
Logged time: **10:01**
